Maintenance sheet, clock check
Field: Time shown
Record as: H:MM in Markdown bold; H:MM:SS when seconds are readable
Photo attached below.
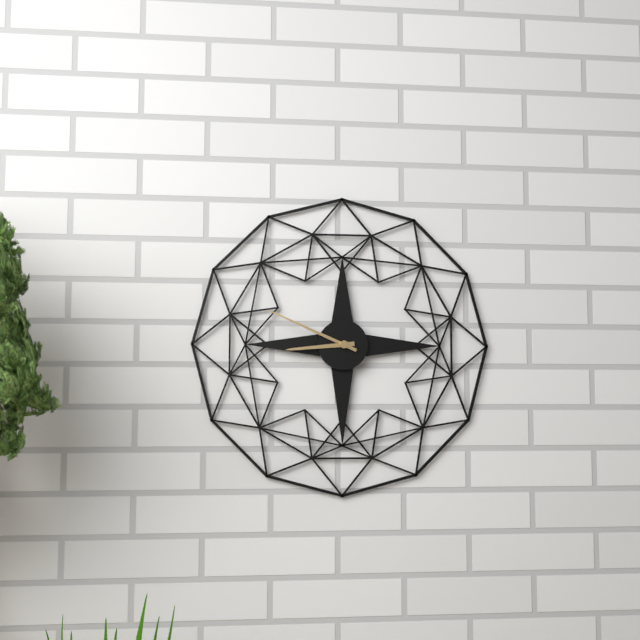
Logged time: **8:49**
